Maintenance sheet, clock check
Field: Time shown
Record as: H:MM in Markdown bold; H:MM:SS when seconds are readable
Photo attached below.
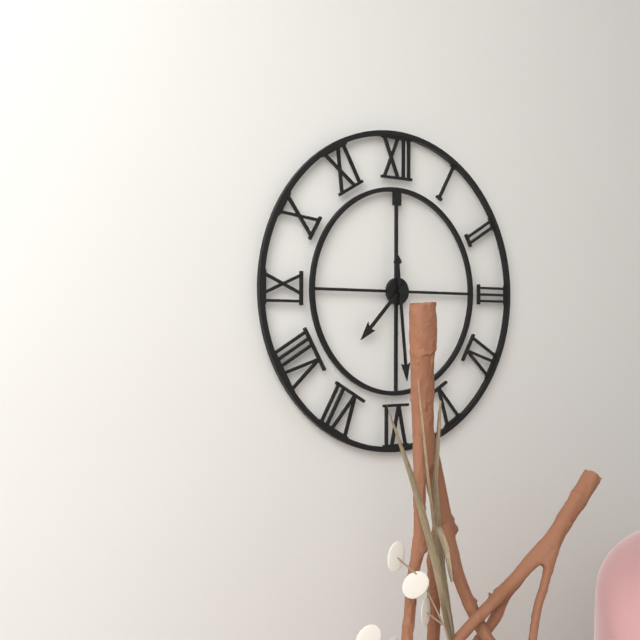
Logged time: **7:29**
